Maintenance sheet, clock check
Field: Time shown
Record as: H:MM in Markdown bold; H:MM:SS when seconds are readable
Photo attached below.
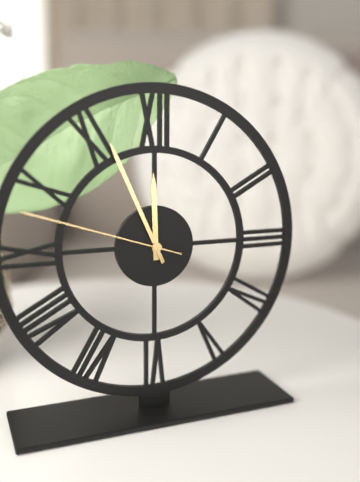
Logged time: **11:56:48**
